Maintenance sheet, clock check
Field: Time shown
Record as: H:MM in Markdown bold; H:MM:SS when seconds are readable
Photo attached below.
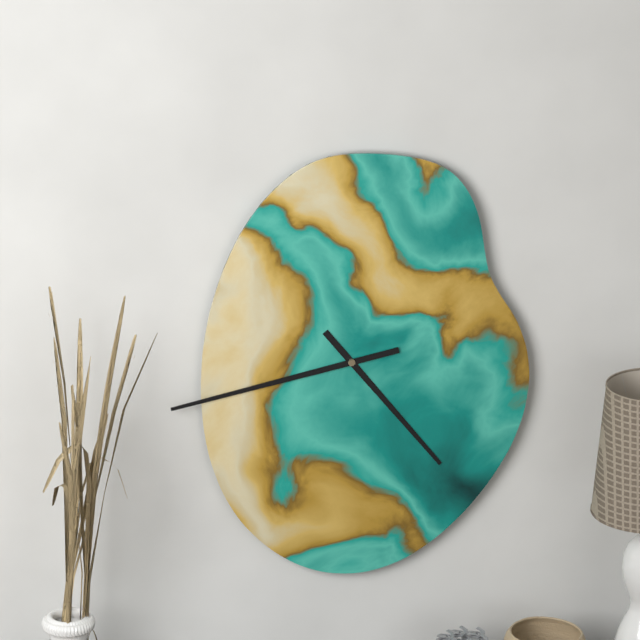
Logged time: **4:43**
